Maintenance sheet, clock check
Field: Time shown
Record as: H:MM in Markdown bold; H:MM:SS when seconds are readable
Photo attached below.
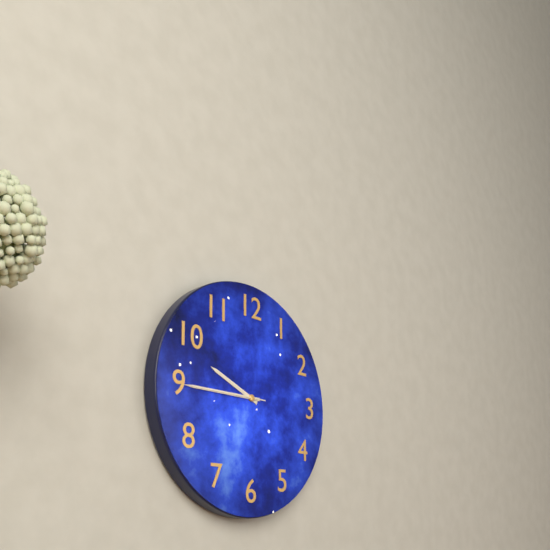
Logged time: **9:45:45**
